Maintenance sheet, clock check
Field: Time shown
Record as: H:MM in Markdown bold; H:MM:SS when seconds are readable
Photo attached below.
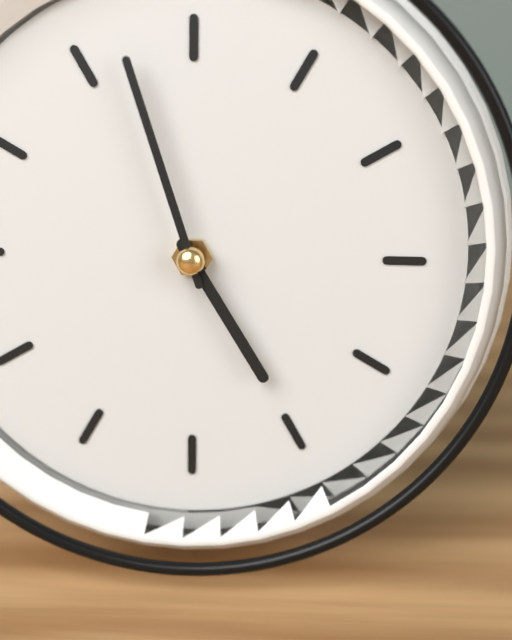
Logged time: **4:57**
